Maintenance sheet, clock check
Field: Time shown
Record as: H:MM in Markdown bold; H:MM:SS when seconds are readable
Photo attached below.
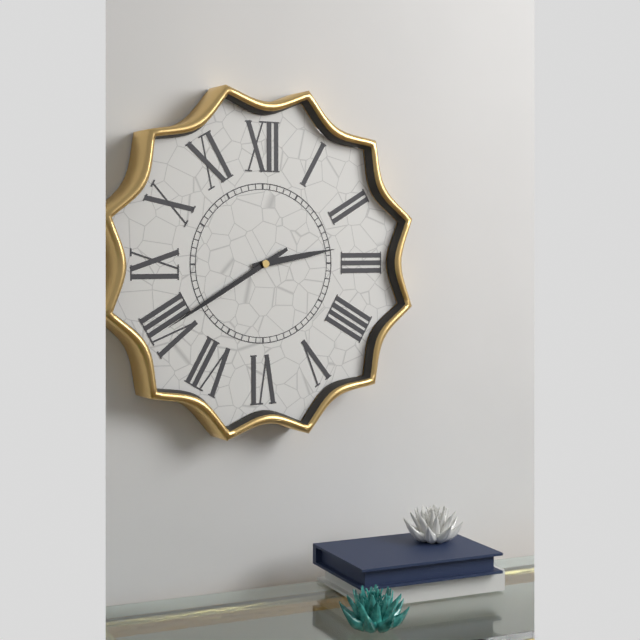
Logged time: **2:40**
